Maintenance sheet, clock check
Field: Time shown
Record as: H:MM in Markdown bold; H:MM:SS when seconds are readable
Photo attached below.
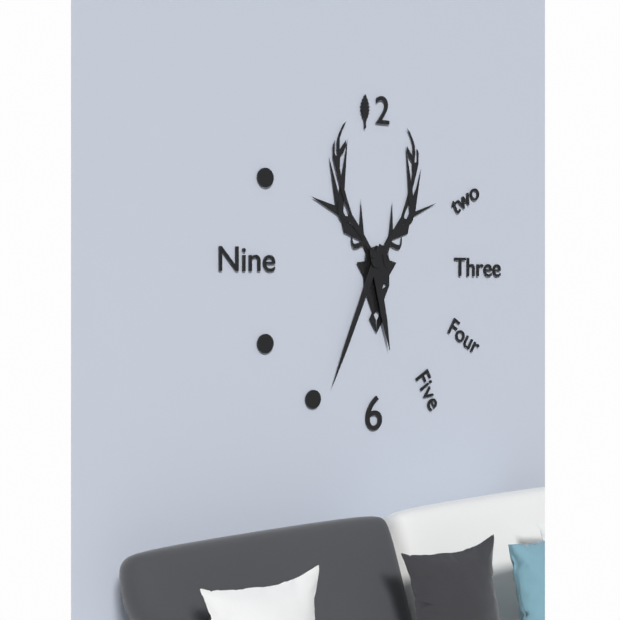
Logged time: **5:34**
